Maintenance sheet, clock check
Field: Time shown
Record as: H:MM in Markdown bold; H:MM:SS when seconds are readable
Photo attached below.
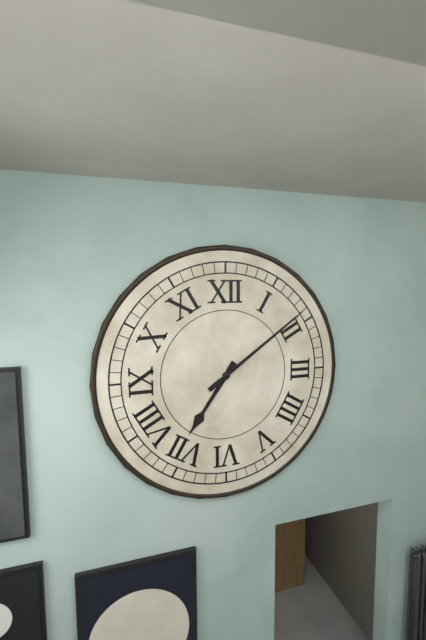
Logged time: **7:09**
